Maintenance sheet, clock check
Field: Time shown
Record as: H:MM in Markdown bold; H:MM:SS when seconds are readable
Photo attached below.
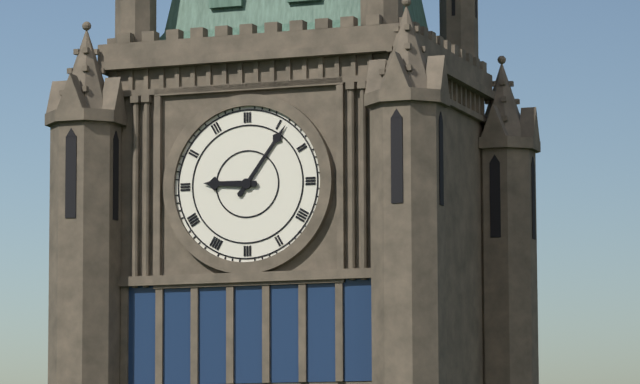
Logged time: **9:06**
